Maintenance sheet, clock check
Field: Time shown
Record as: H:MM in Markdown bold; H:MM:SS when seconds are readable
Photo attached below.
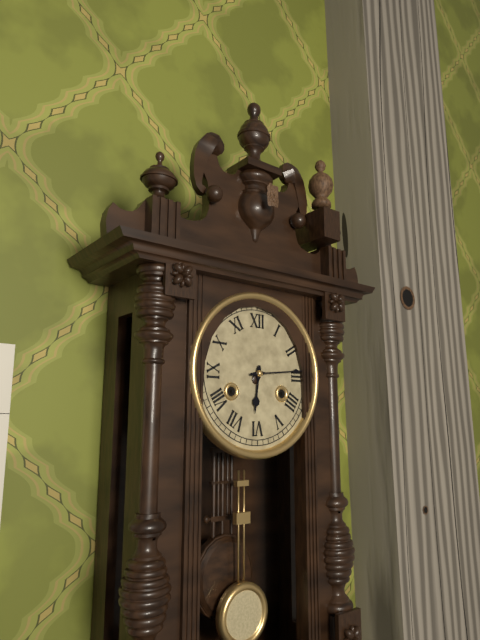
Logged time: **6:14**
